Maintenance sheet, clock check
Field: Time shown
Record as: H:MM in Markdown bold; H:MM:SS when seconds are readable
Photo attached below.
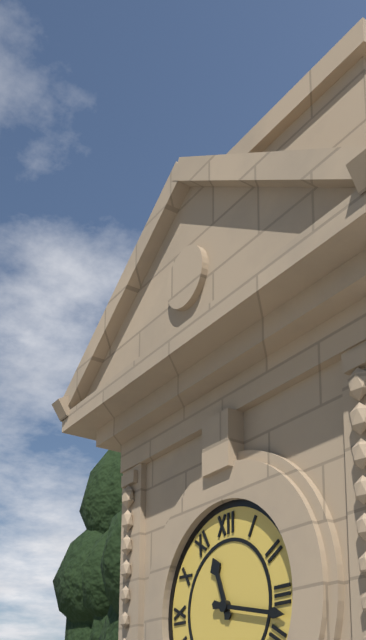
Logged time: **11:17**
